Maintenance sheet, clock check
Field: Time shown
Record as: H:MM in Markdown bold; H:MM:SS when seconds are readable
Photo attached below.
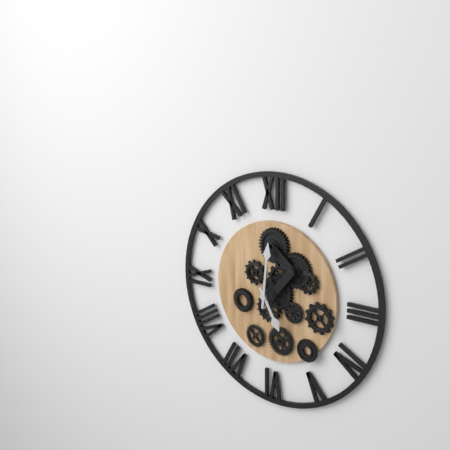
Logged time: **5:01**
